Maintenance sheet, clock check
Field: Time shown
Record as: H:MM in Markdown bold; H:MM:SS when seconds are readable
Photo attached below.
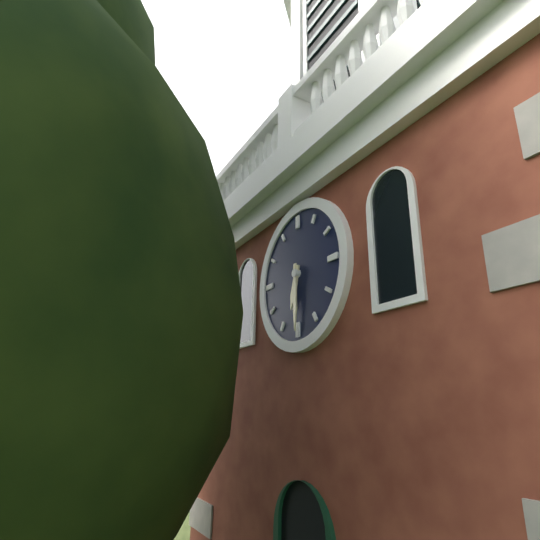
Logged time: **6:30**
